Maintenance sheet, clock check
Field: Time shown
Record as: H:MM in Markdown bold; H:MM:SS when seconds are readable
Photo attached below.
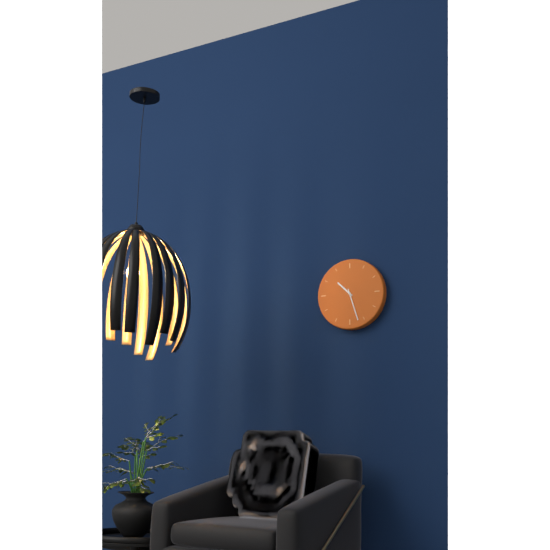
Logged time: **10:27**
